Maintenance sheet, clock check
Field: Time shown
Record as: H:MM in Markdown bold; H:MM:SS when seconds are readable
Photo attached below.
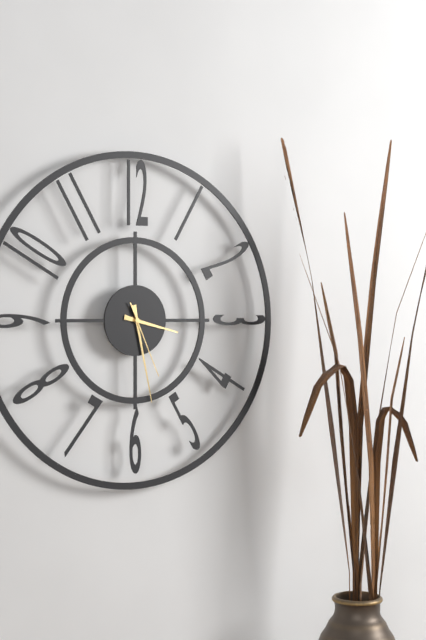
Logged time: **3:28:26**
